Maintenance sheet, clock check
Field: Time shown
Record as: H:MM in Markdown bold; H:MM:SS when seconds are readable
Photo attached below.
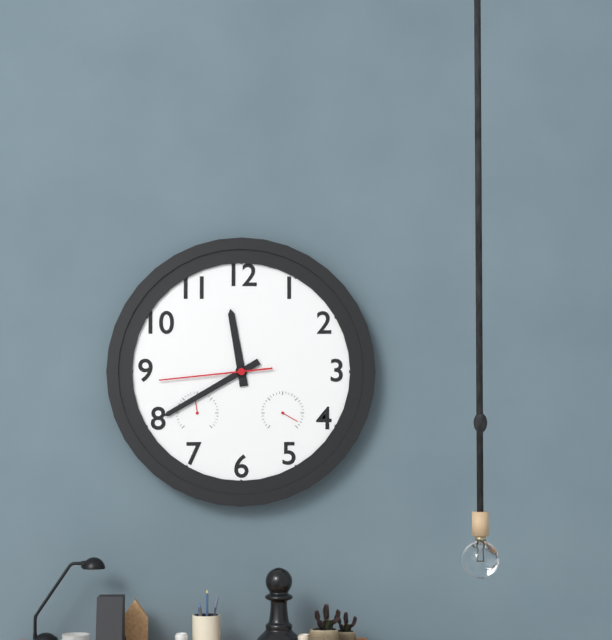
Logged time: **11:40:44**
